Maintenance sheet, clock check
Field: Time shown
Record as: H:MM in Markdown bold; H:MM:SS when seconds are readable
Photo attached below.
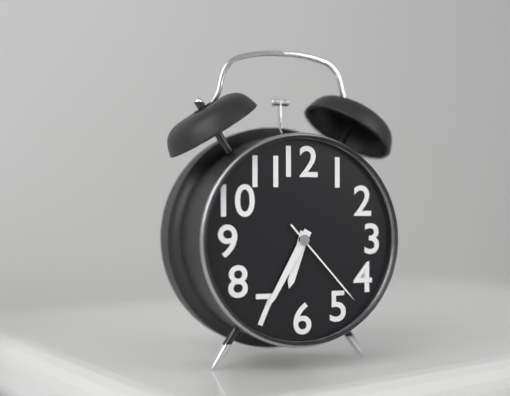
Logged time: **6:35:23**
